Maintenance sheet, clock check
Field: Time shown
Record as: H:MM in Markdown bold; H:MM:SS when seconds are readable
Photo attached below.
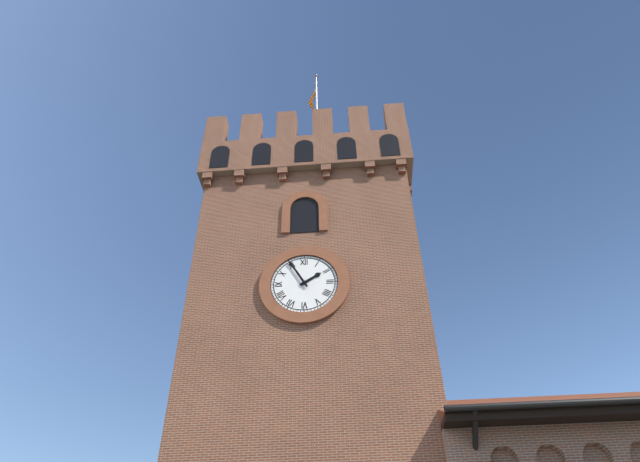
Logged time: **1:55**
